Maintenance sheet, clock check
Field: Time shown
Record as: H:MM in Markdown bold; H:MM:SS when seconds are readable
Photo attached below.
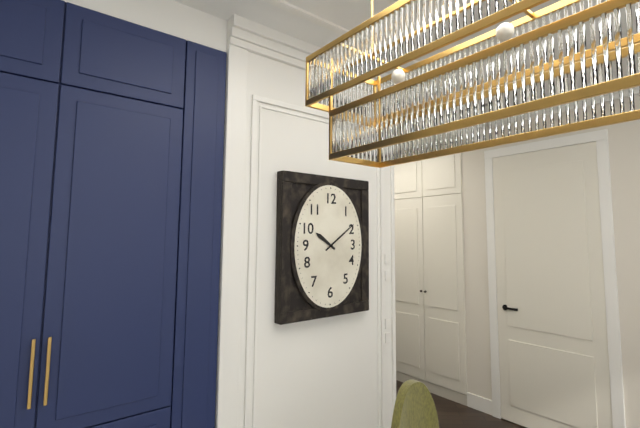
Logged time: **10:09**
